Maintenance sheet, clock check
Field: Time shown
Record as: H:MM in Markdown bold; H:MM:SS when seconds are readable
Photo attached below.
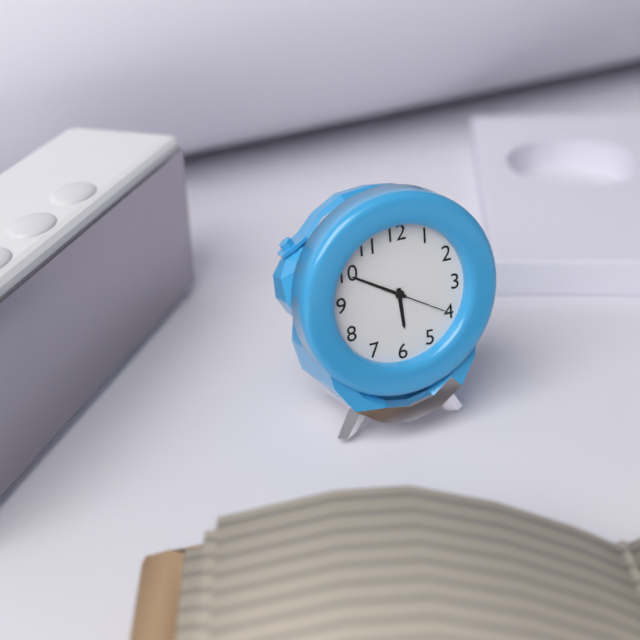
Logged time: **5:50:20**
